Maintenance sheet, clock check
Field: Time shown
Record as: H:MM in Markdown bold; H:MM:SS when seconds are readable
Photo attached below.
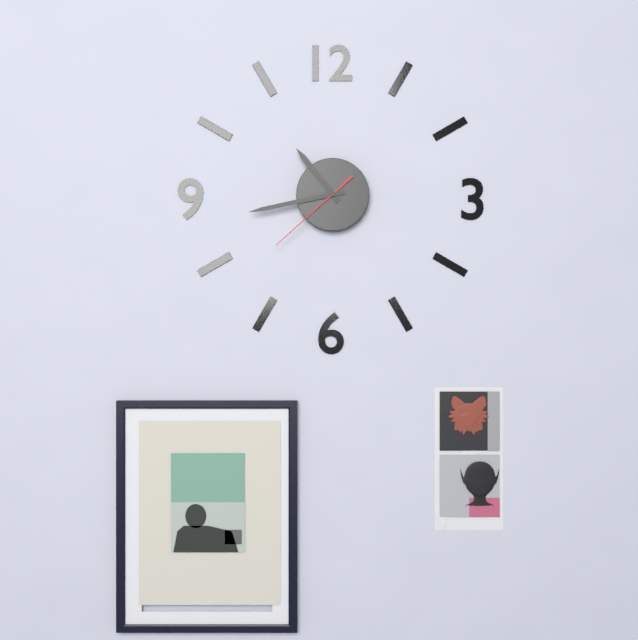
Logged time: **10:43:38**
